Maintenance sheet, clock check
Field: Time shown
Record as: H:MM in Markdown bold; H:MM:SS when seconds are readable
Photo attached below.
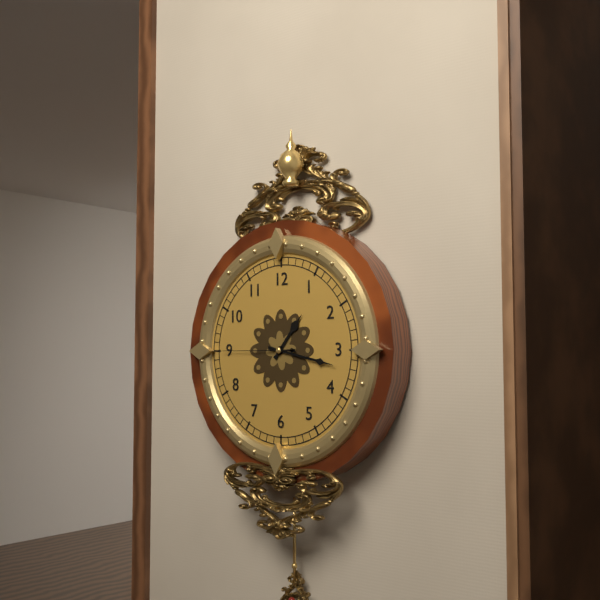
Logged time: **1:17:45**
